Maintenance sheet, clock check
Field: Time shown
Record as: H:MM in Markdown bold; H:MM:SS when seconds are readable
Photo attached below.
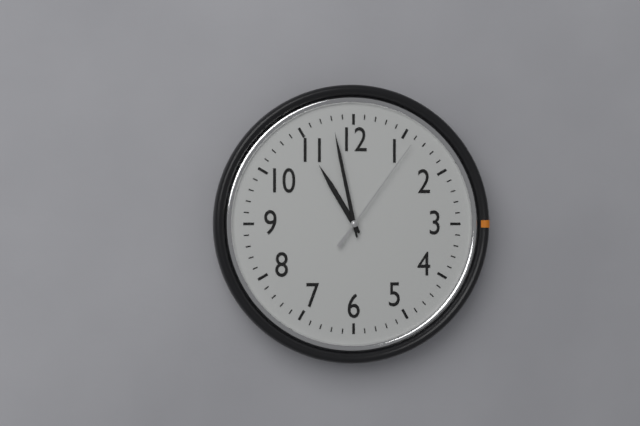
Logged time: **10:58:06**
